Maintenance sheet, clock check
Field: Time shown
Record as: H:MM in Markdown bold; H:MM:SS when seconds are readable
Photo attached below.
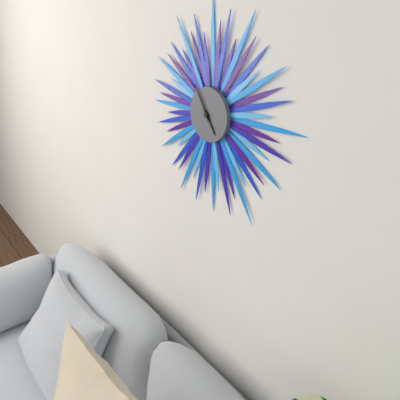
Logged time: **4:55**
